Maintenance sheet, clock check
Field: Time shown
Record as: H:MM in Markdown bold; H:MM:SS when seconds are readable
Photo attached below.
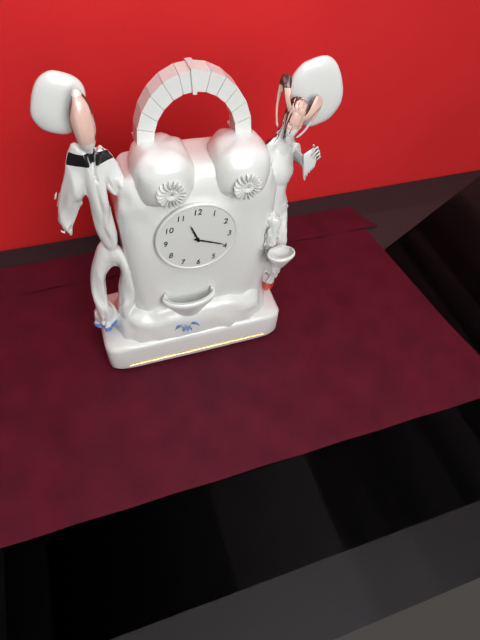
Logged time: **11:19**
